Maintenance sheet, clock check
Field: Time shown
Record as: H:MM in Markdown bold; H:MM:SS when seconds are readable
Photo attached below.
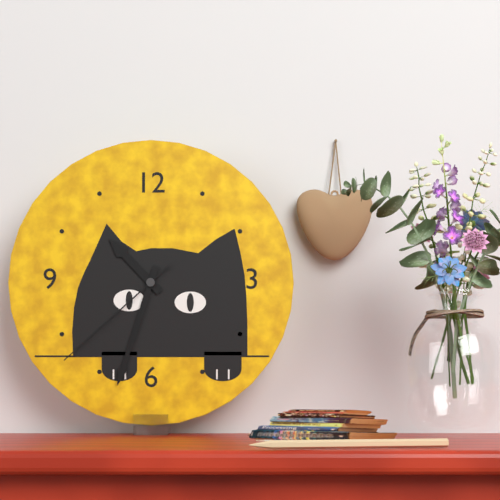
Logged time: **10:33:38**
